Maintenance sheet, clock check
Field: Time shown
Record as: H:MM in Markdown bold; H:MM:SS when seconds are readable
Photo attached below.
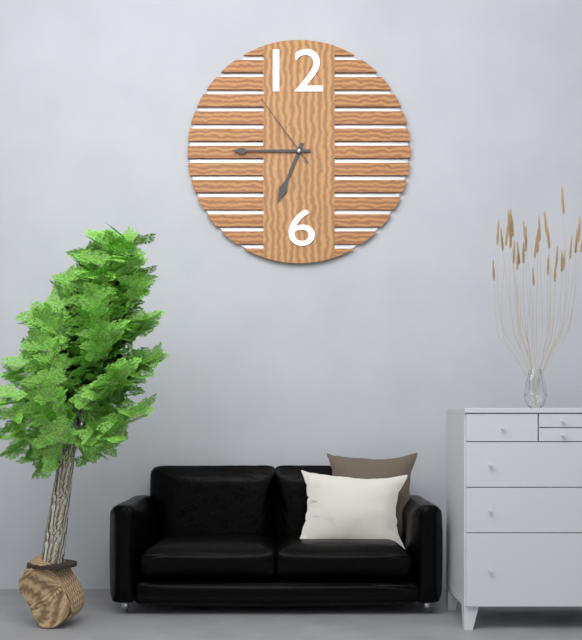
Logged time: **6:45:54**
